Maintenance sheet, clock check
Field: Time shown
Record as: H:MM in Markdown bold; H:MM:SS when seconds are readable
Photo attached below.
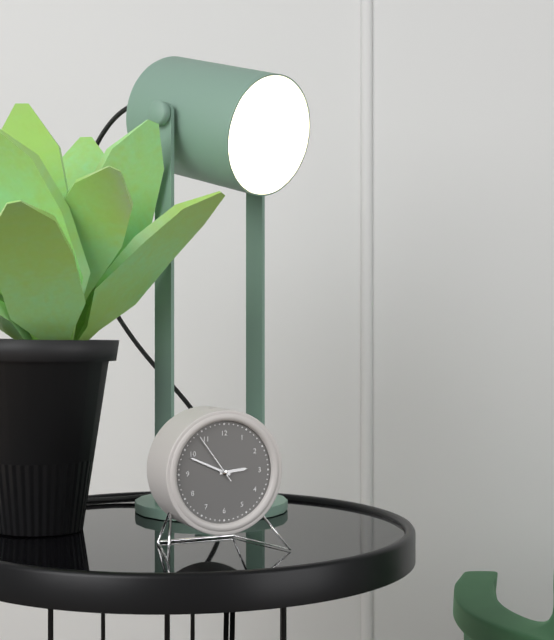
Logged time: **2:49:54**
